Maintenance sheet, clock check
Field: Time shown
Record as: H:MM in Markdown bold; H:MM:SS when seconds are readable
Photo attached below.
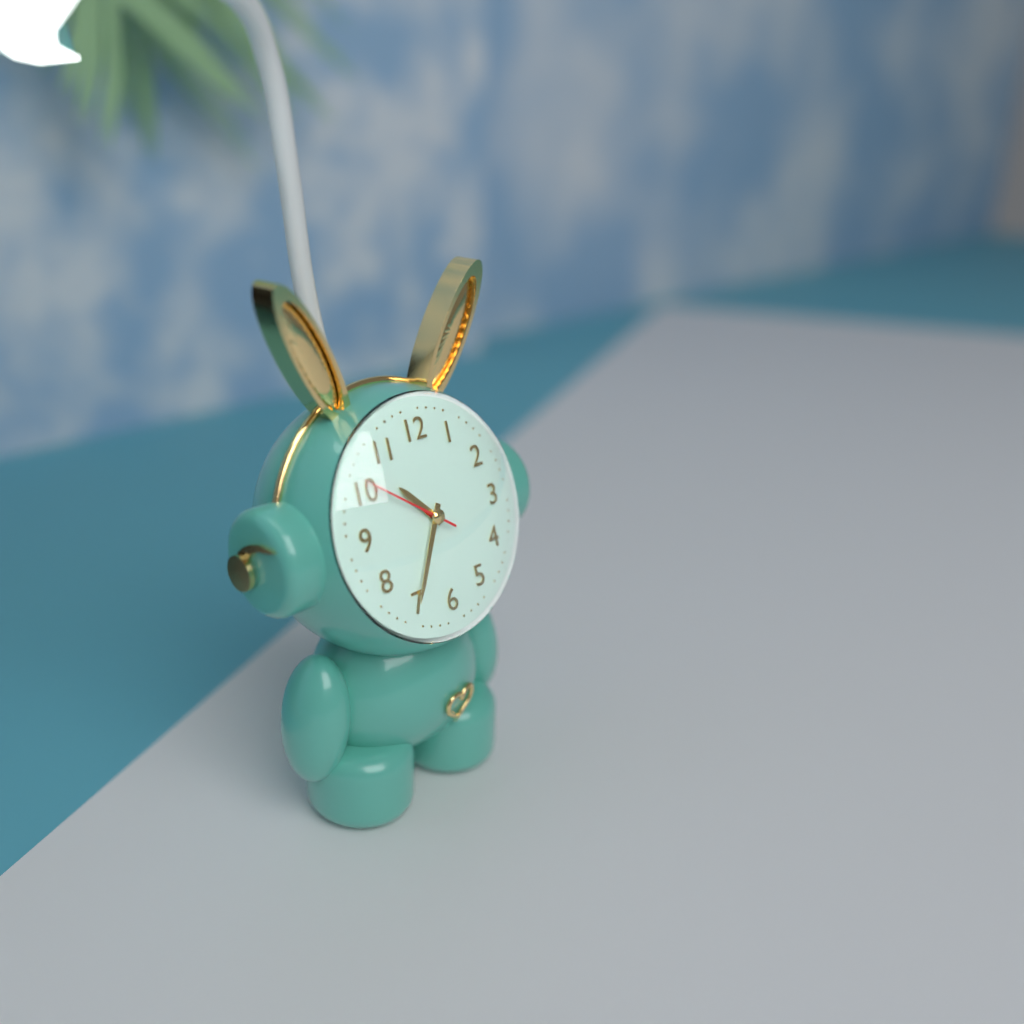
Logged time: **10:35:51**
